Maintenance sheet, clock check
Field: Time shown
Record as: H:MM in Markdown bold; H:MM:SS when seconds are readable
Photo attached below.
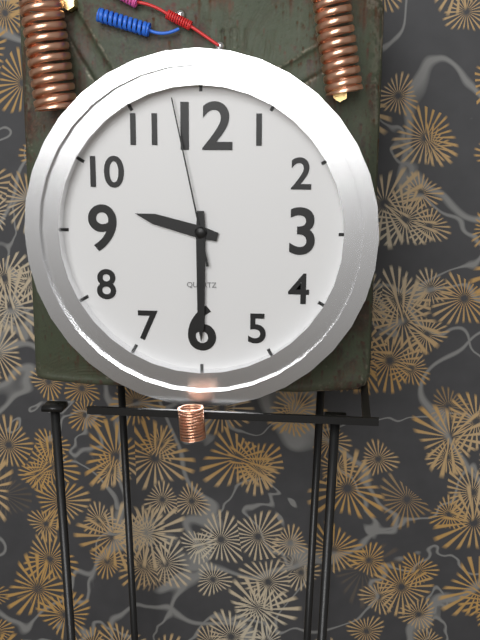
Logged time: **9:30:58**
